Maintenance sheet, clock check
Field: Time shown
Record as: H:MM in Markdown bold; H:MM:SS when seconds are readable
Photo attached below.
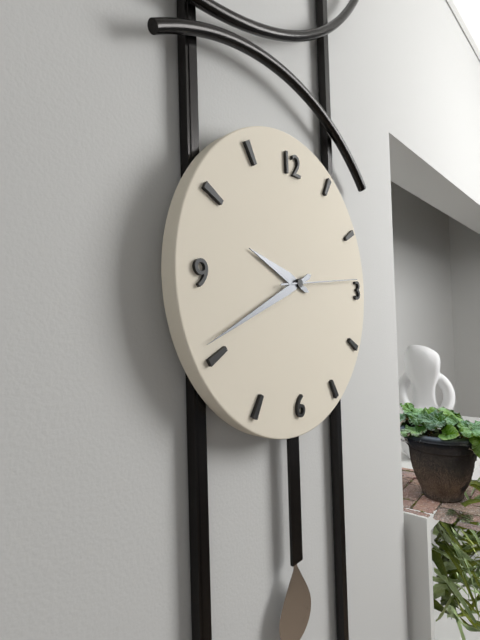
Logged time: **9:41:14**
